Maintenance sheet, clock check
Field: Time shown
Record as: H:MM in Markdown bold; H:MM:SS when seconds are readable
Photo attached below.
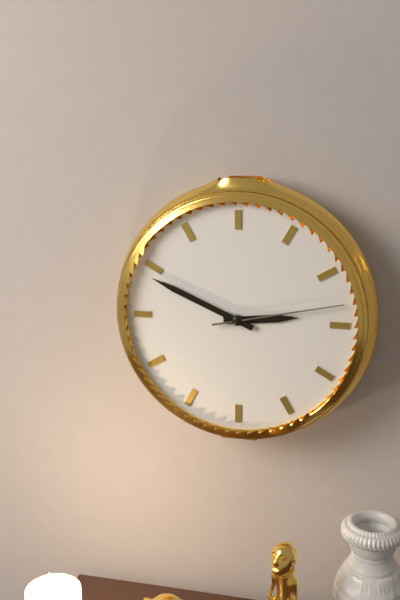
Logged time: **2:49:13**
